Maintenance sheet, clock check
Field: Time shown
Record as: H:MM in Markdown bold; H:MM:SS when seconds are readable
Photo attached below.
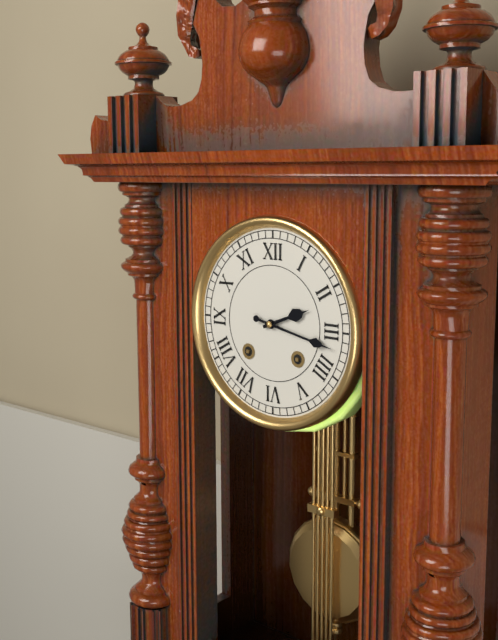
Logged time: **2:17**
